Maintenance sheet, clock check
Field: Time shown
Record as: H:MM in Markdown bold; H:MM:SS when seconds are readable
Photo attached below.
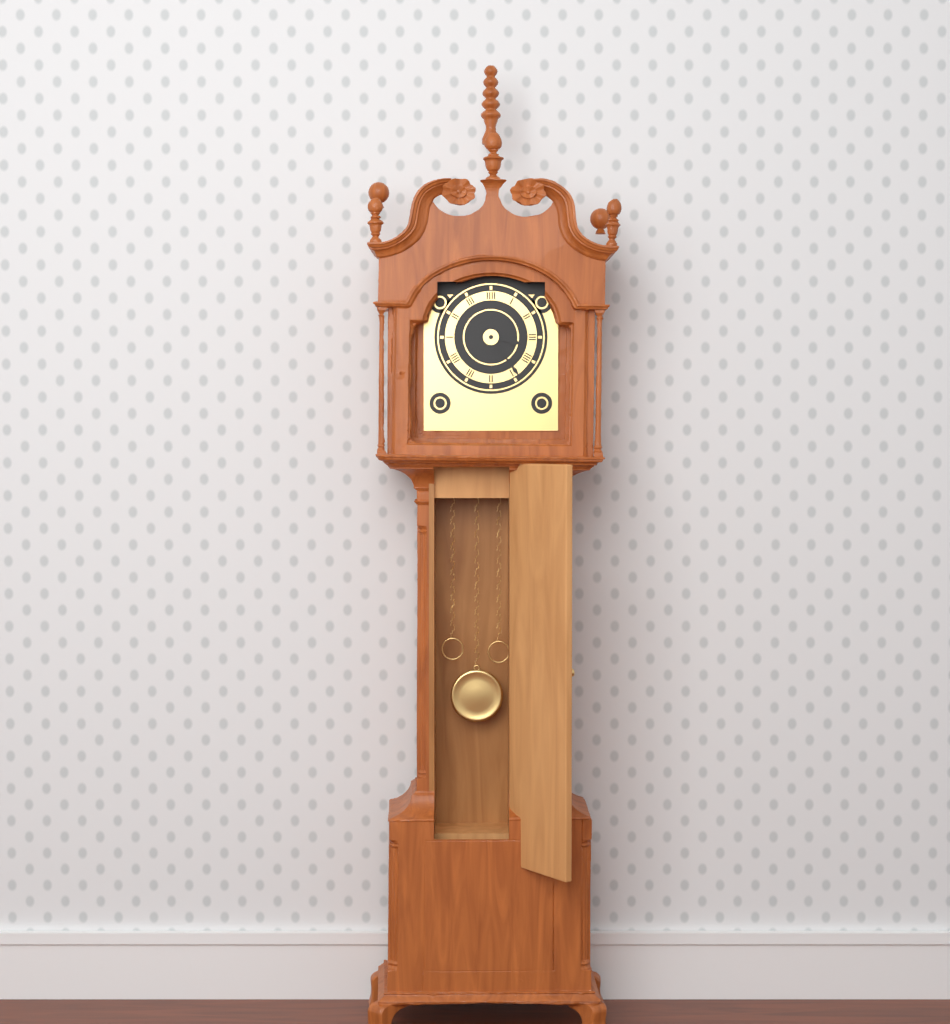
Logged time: **3:24**
